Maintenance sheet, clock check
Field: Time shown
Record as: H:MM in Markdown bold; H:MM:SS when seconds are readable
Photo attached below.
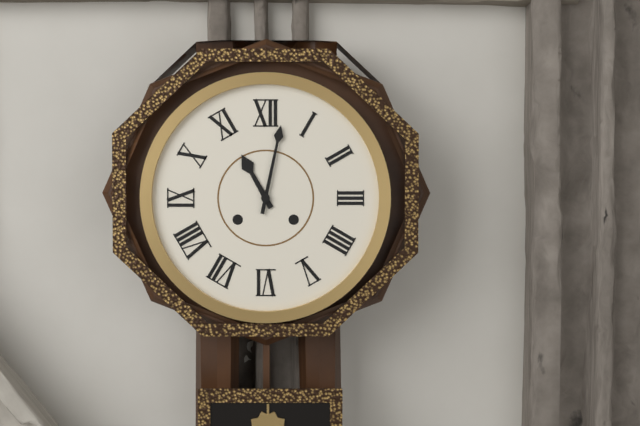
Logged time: **11:02**
